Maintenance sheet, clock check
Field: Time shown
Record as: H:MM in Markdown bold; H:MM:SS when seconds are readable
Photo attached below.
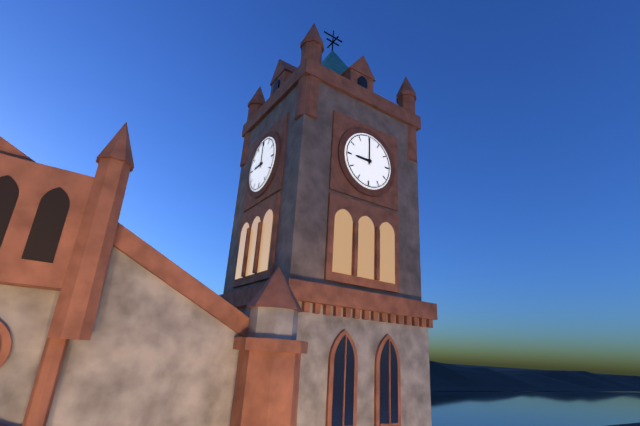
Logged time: **9:00**
